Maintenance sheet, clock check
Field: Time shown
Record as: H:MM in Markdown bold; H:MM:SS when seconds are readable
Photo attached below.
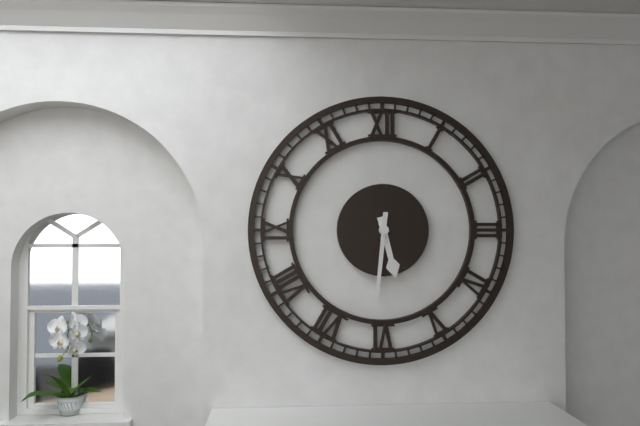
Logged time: **5:31**
